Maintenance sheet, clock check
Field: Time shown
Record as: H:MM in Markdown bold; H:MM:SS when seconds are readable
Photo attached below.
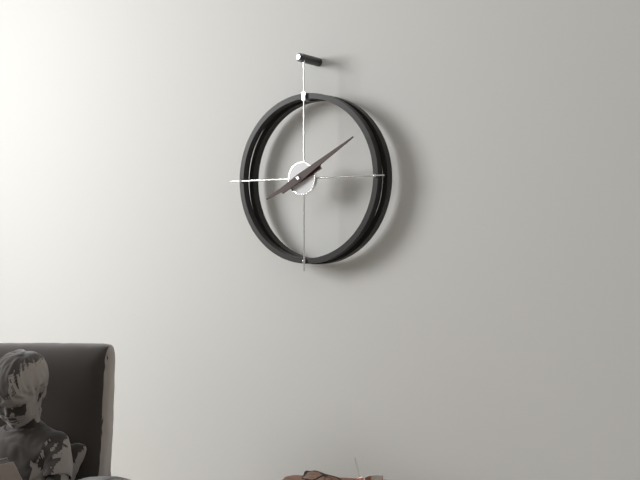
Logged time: **8:10**
